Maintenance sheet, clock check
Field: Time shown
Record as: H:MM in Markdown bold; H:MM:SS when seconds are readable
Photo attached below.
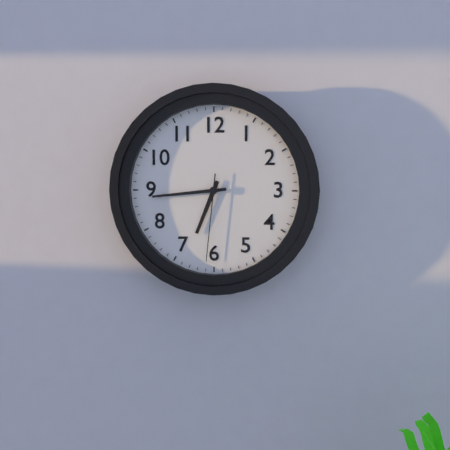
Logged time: **6:44:31**
